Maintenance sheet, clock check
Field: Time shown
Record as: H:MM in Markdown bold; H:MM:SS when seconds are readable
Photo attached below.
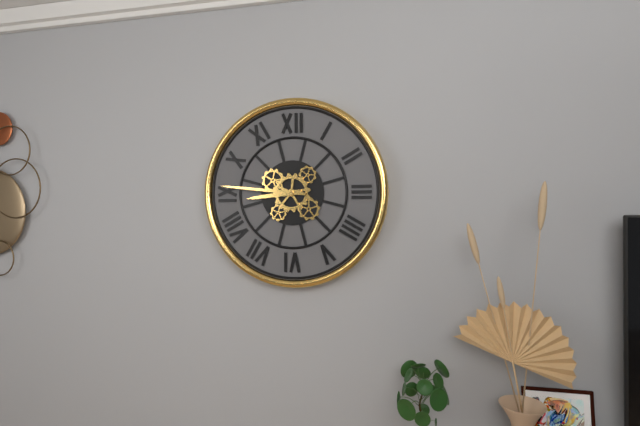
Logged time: **8:46**
